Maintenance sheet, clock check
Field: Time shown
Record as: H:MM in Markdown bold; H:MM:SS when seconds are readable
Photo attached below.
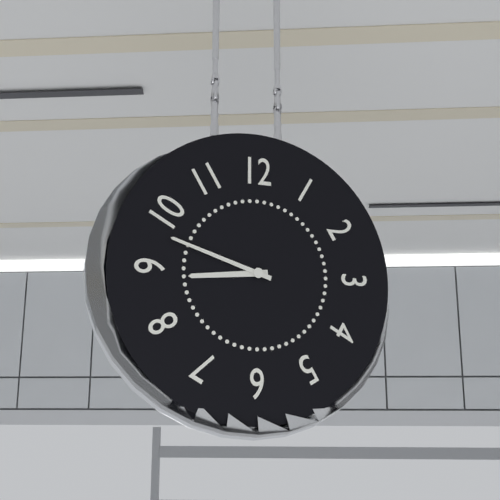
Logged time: **8:48**
